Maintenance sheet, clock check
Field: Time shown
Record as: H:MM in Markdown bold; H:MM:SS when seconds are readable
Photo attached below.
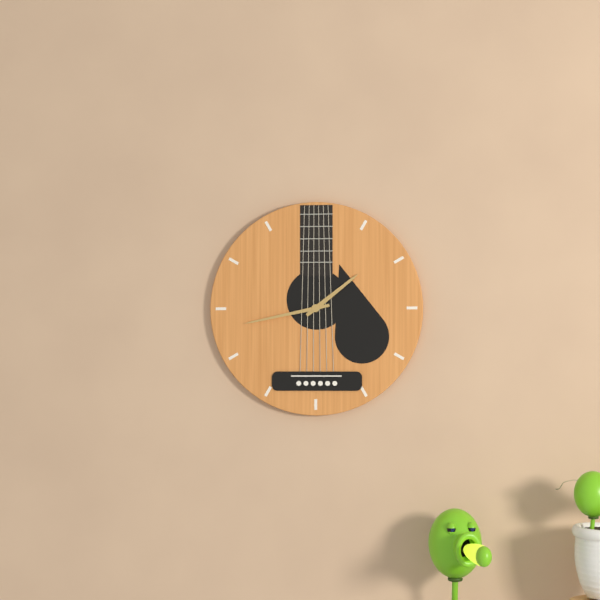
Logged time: **1:43**
